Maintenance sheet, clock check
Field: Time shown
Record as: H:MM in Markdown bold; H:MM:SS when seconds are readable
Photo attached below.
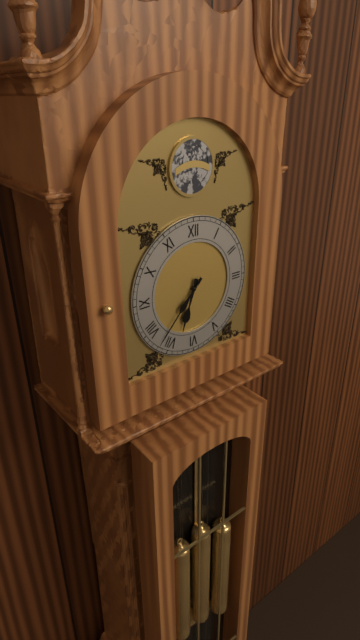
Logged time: **6:37**
